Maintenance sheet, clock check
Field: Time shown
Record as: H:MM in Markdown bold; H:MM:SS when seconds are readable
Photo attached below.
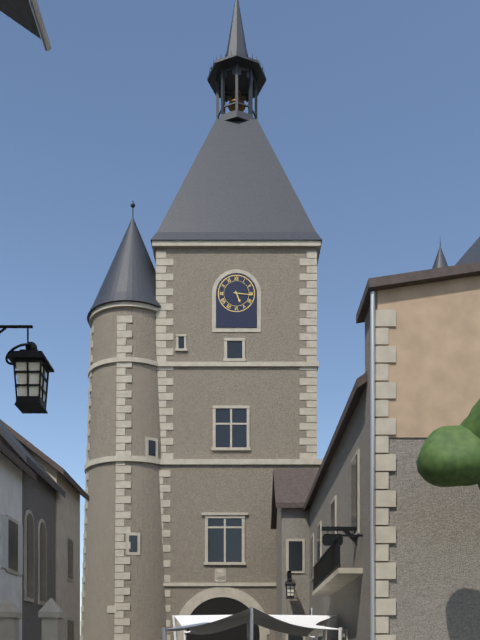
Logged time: **5:16**
